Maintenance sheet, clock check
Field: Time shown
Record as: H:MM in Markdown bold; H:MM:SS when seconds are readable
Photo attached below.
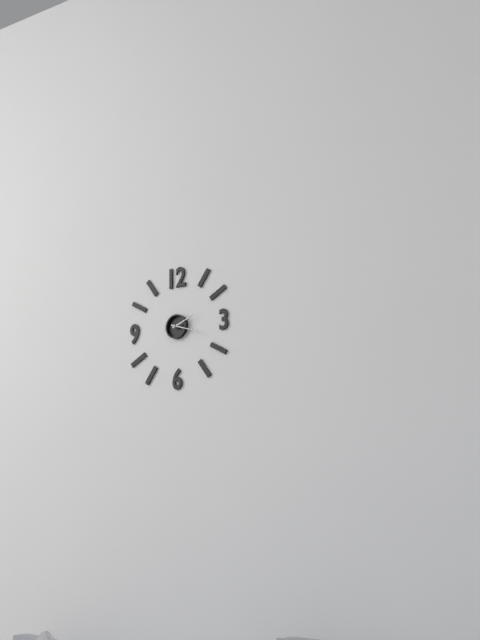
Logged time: **2:18**
